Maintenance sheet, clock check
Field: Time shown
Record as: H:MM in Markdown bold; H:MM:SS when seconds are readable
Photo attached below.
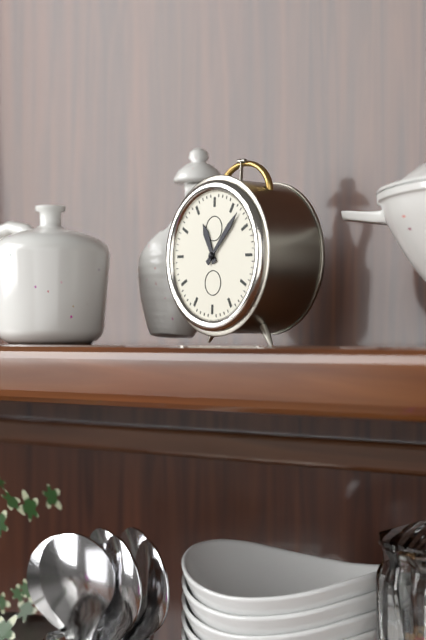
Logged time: **11:07**
